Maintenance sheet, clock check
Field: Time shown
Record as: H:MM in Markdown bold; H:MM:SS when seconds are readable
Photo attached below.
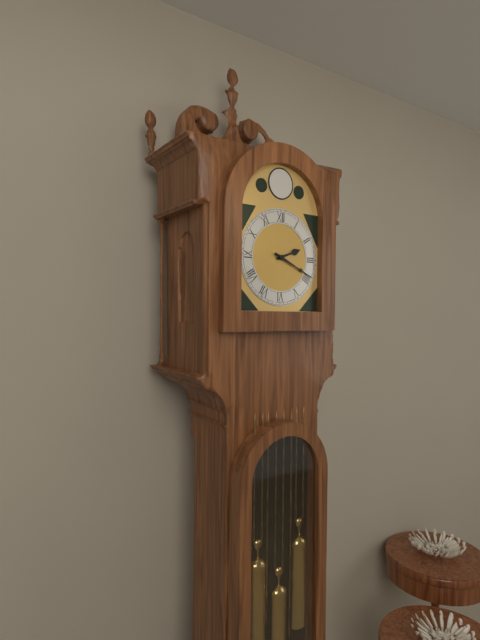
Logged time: **2:19**
